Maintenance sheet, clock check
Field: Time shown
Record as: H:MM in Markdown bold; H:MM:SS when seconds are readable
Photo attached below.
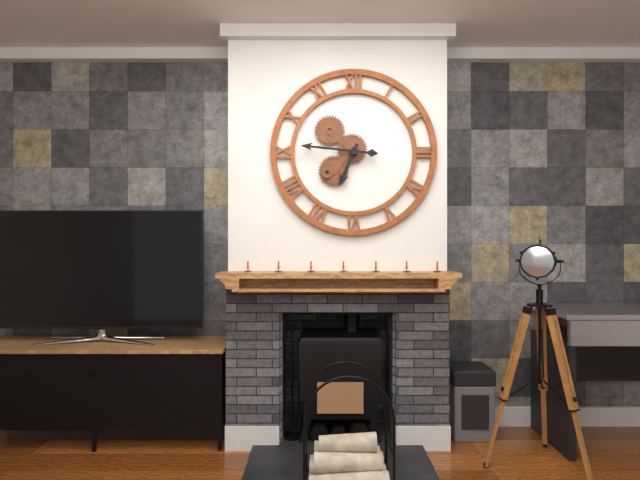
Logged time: **6:46**
